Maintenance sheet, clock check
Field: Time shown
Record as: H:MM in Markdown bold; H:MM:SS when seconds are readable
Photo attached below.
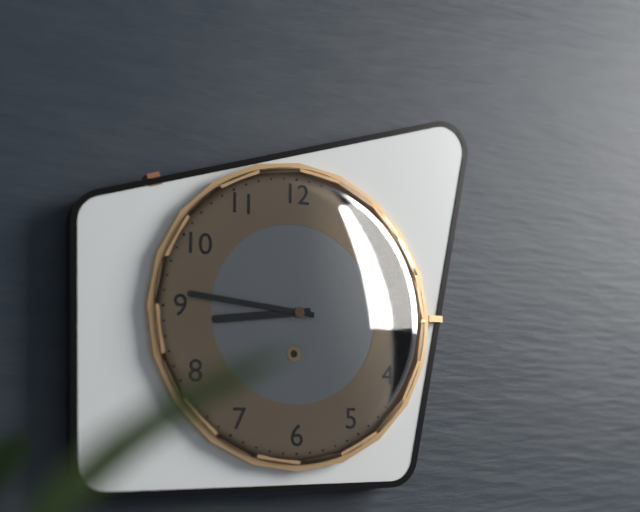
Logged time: **8:46**
